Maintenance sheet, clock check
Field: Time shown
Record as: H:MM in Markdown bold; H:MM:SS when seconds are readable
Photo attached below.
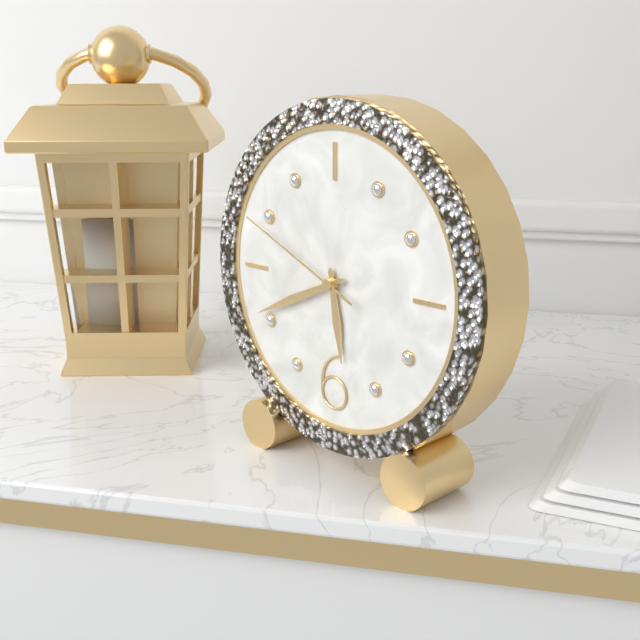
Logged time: **5:41:49**
